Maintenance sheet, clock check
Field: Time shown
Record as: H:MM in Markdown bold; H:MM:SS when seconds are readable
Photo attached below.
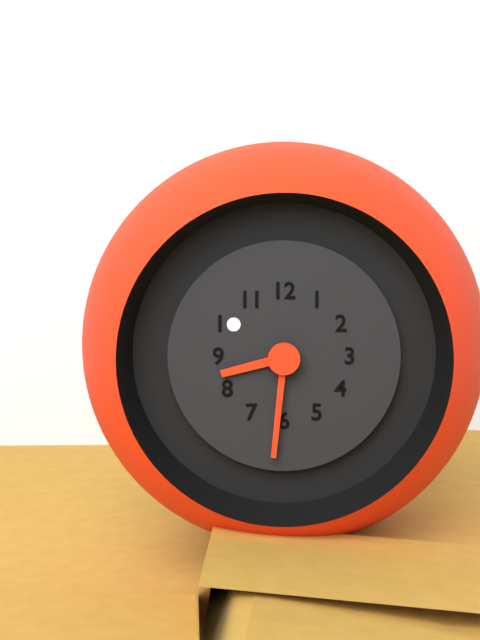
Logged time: **8:31**
